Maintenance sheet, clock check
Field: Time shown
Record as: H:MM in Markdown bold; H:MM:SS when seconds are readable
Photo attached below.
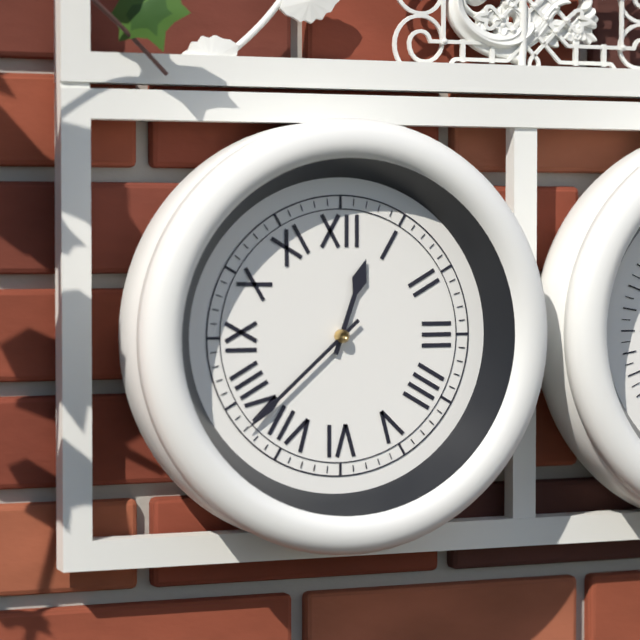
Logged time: **12:38**
